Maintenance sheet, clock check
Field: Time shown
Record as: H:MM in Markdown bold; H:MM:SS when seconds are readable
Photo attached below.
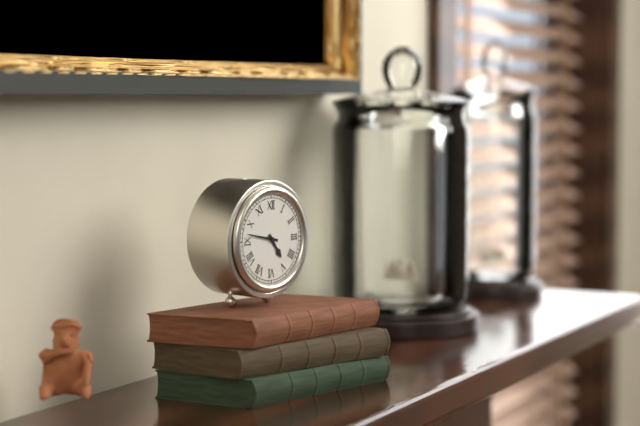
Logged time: **4:47**
